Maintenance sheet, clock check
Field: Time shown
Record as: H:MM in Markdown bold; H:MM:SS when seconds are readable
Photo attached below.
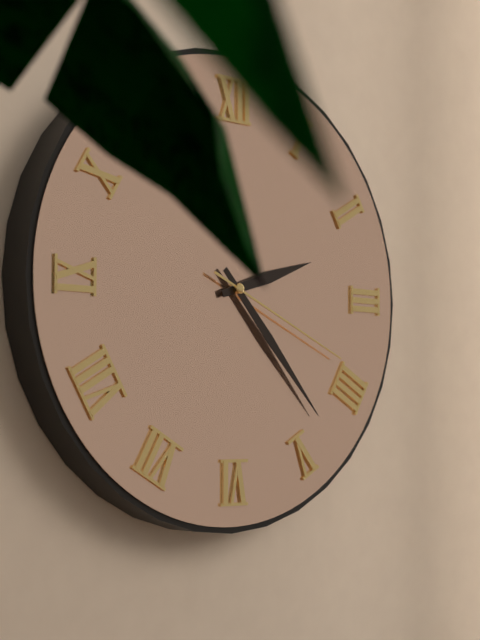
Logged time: **2:23:19**
